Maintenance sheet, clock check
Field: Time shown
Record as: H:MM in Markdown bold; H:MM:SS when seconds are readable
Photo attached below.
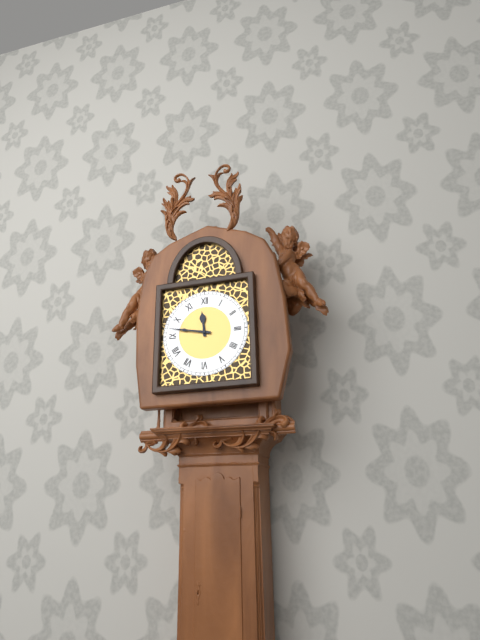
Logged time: **11:47**
